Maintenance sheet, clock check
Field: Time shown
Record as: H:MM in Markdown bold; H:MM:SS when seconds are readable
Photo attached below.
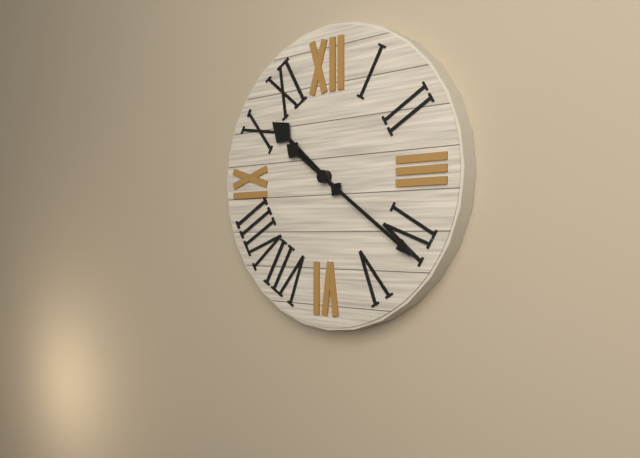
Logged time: **10:21**
